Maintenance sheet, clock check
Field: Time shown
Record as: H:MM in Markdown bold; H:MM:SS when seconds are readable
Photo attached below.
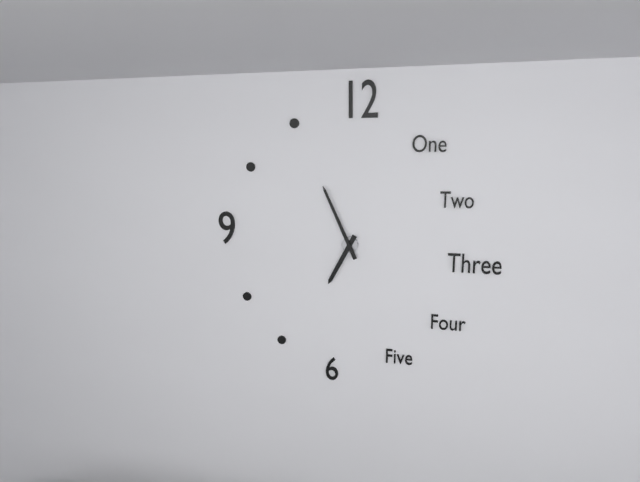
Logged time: **6:56**
